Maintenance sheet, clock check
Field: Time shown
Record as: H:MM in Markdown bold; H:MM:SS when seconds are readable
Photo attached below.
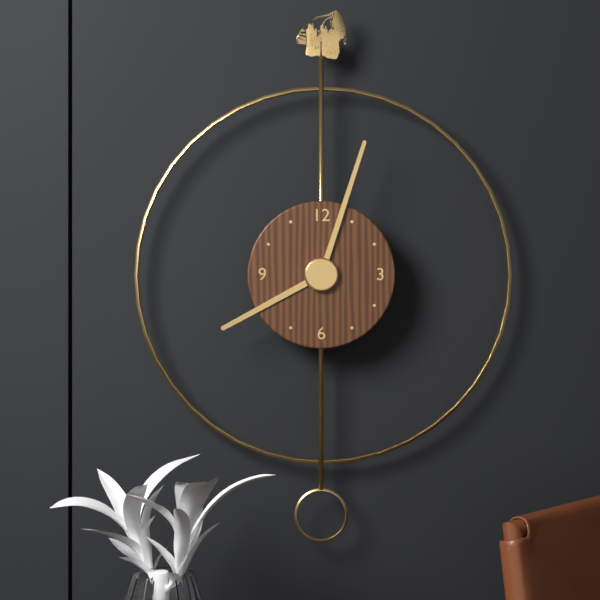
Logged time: **8:03**
